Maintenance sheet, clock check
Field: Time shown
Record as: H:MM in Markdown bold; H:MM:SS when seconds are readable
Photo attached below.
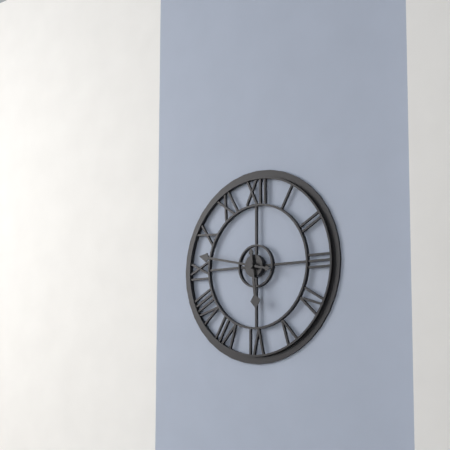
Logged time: **5:47**
